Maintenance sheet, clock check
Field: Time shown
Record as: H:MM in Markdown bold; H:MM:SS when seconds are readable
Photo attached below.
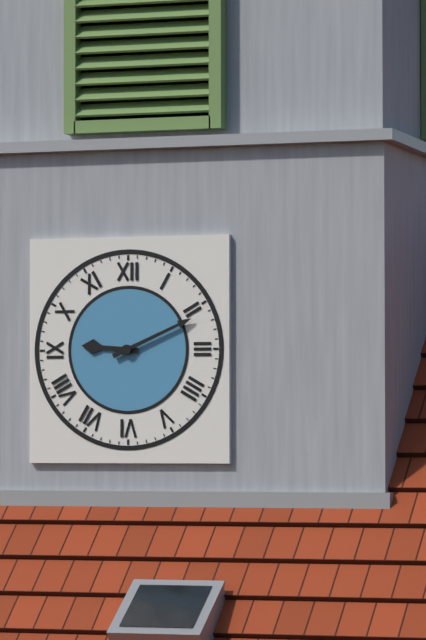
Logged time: **9:11**
